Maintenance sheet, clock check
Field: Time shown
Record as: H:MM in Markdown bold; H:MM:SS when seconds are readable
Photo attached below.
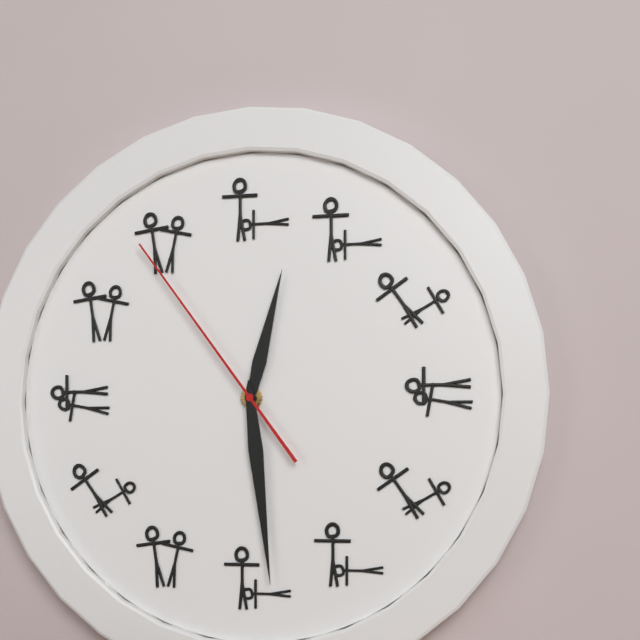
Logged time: **12:29:54**
